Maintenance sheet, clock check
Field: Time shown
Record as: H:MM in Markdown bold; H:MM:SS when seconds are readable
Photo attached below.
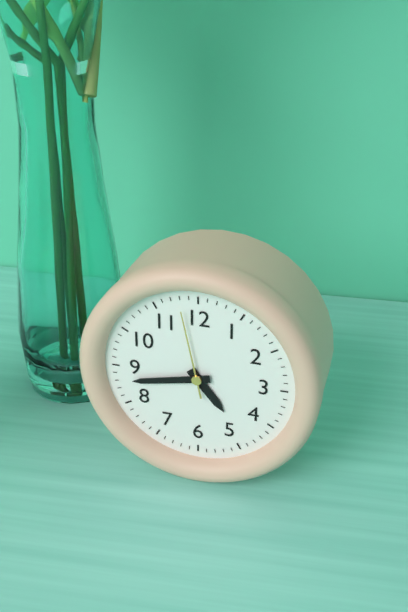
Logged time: **4:43:58**
